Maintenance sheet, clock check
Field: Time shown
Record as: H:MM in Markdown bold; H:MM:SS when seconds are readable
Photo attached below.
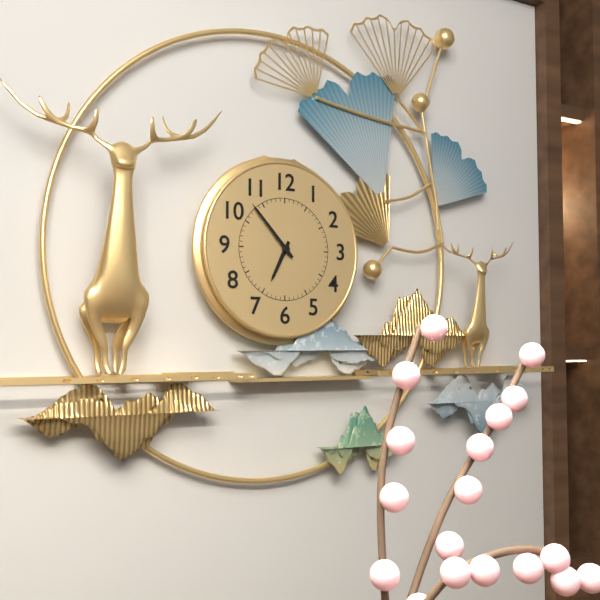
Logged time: **6:53**
